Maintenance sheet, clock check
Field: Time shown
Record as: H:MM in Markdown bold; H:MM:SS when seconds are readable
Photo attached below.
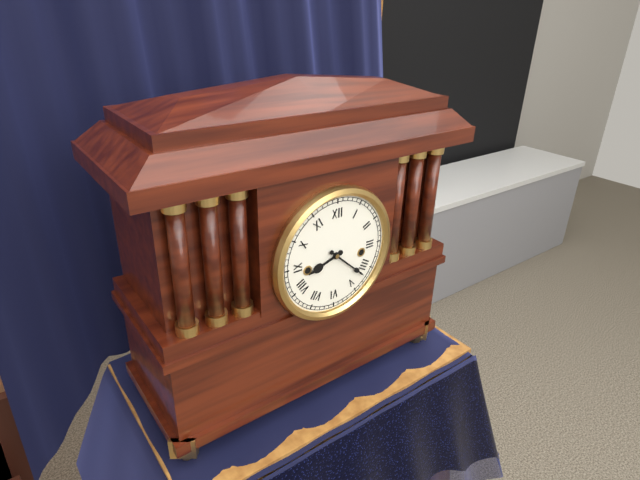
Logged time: **8:22**
